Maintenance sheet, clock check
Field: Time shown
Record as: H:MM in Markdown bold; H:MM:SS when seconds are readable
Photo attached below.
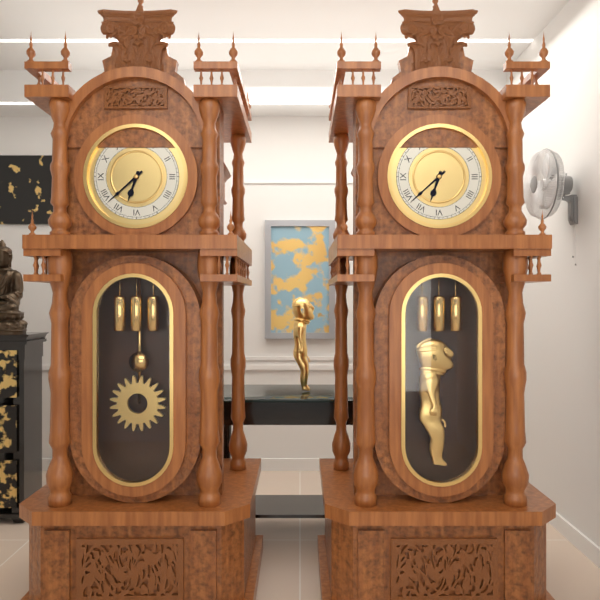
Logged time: **6:38**
